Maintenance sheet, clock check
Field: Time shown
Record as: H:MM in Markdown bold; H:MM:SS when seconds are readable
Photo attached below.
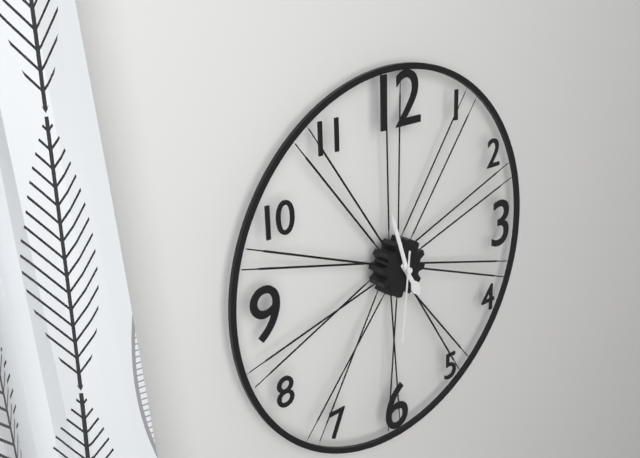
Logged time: **4:57:31**
